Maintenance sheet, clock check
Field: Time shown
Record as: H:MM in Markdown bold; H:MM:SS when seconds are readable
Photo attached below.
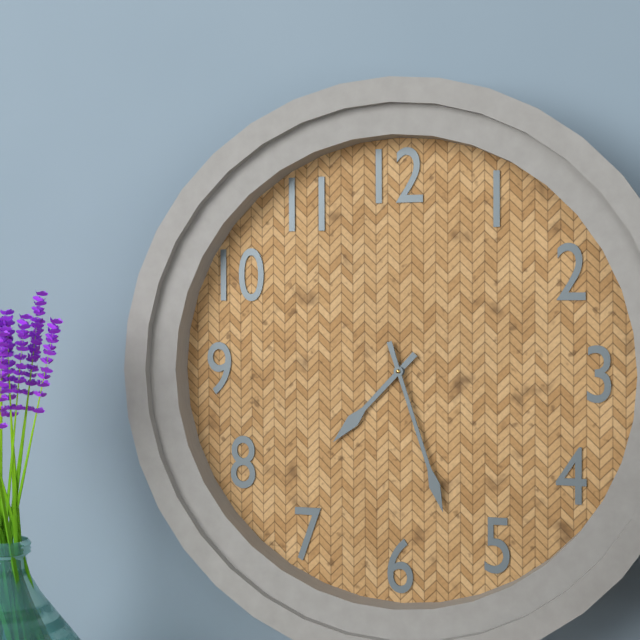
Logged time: **7:27**
